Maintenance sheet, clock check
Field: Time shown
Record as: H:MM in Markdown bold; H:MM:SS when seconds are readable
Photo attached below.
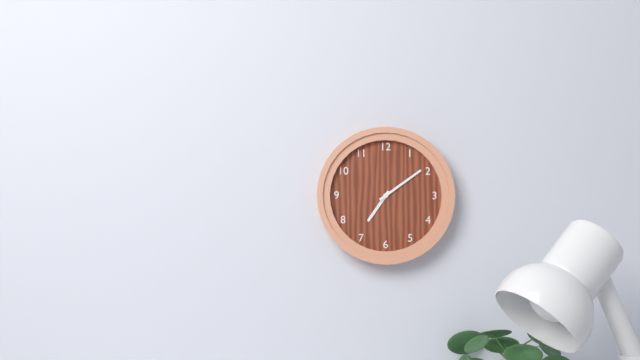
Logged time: **7:09**
